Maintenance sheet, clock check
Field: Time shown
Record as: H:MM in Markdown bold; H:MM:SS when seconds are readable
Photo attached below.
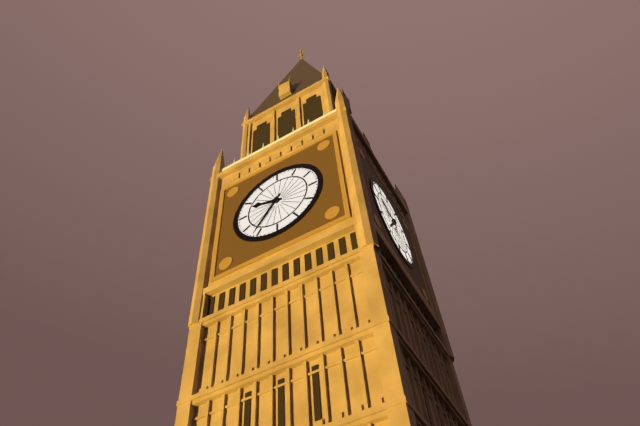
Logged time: **9:36**
